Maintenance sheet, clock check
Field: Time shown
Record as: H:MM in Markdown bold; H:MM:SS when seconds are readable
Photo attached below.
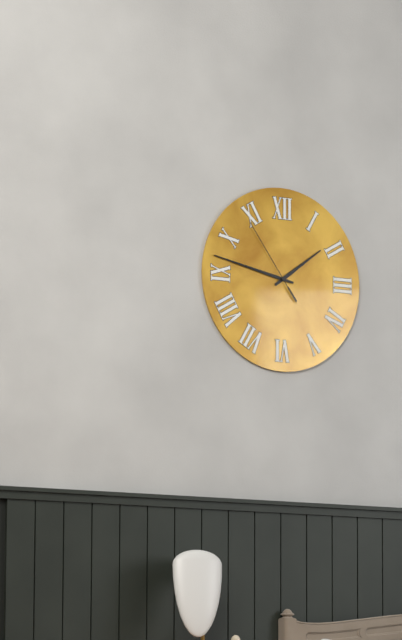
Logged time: **1:47:54**
